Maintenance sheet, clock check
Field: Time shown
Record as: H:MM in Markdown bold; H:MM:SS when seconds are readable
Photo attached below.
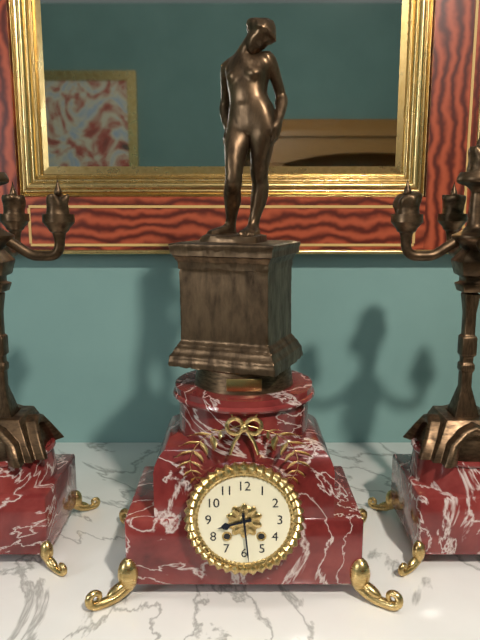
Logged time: **8:29**
